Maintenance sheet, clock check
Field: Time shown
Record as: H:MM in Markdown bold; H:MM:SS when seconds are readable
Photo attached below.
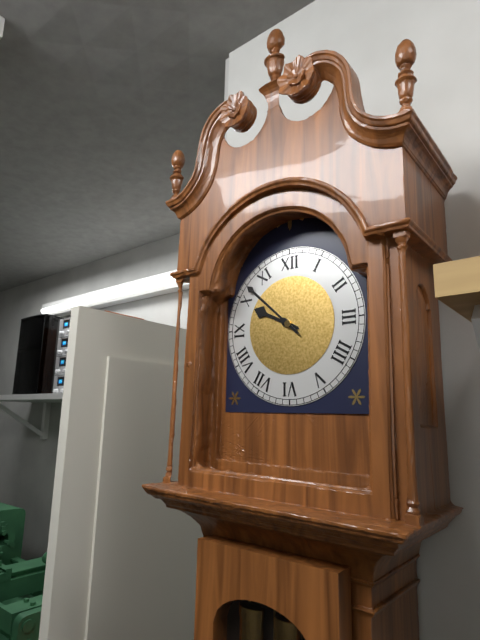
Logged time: **9:52**
